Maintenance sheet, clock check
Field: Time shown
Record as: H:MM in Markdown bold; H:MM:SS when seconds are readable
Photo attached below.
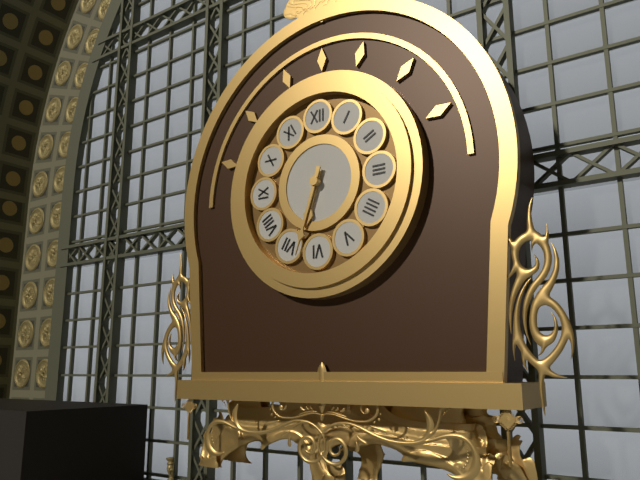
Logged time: **6:33**
